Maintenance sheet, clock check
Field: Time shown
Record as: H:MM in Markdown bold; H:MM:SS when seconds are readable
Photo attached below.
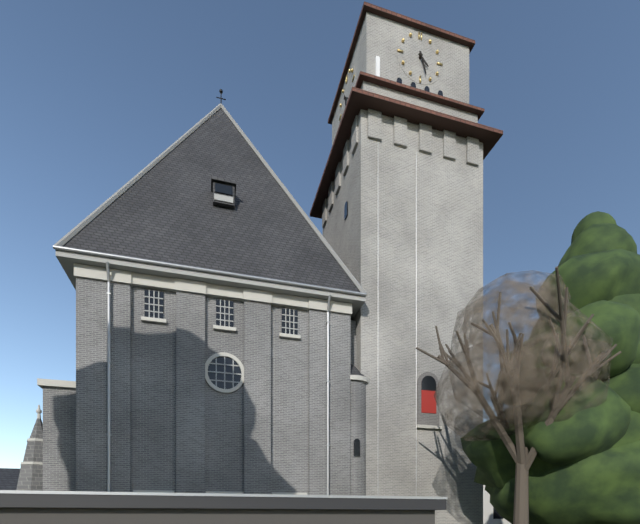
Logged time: **4:27**
